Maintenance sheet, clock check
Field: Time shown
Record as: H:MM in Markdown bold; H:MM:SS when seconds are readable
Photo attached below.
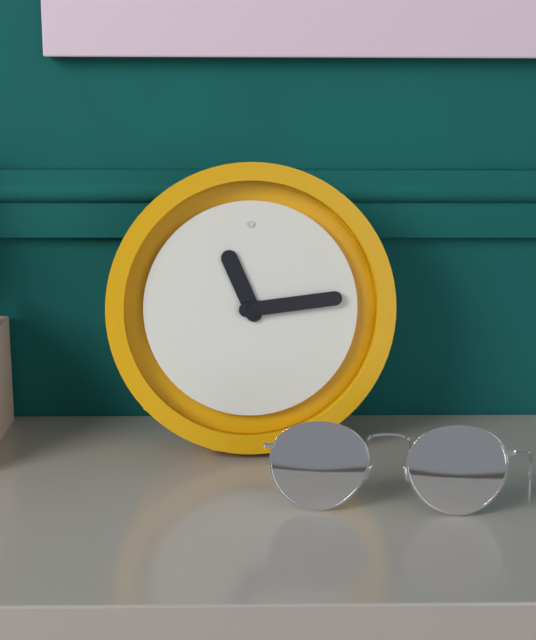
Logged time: **11:14**
